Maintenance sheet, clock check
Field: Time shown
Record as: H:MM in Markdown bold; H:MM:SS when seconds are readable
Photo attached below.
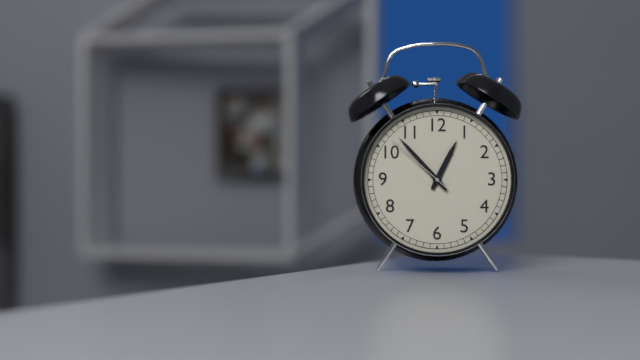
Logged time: **12:53:52**
